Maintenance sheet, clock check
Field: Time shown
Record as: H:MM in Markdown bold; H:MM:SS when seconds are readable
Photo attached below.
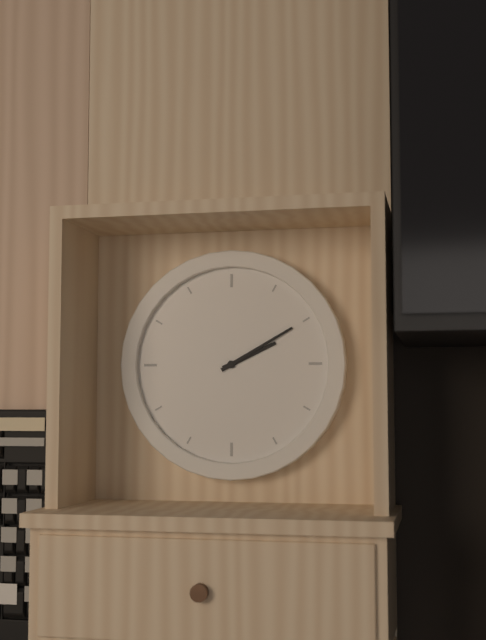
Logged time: **2:10**
